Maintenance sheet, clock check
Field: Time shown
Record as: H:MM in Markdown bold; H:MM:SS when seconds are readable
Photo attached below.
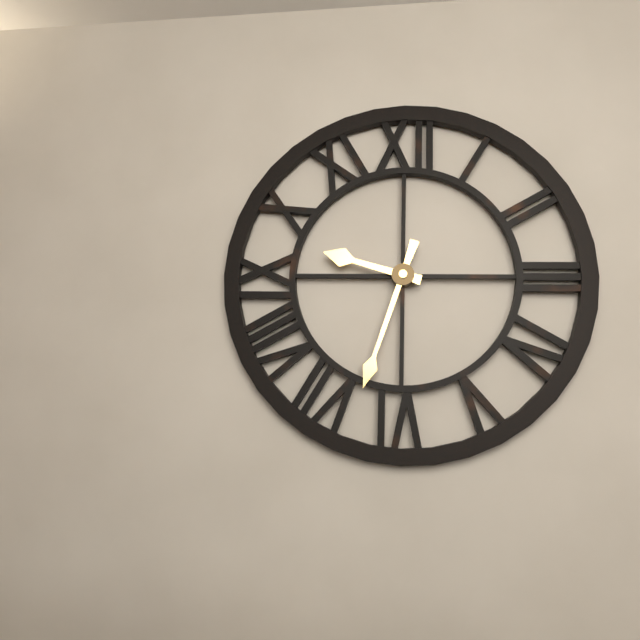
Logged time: **9:33**
